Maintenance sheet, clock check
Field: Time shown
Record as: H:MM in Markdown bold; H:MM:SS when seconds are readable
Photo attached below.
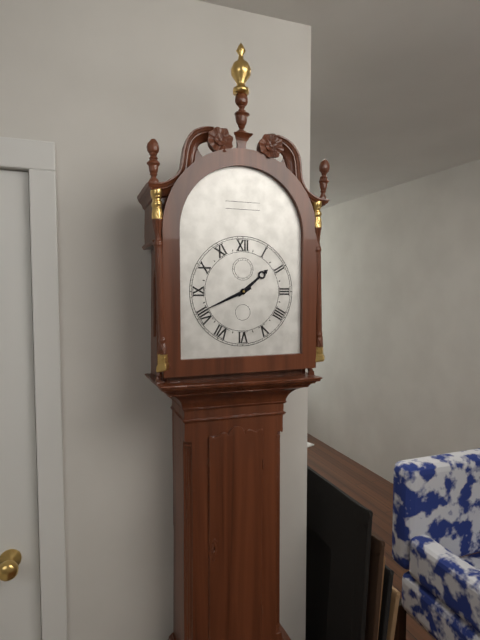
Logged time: **1:41**
